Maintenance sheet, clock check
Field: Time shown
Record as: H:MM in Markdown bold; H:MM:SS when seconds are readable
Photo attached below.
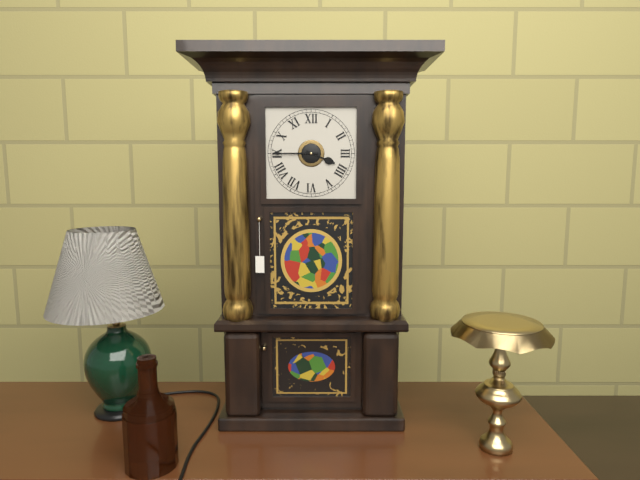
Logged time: **3:45**
